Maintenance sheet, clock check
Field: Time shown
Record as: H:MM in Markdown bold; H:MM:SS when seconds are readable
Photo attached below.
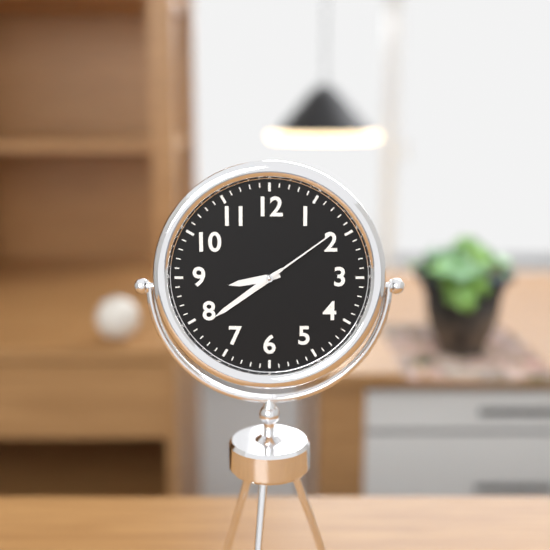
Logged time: **8:39:09**
